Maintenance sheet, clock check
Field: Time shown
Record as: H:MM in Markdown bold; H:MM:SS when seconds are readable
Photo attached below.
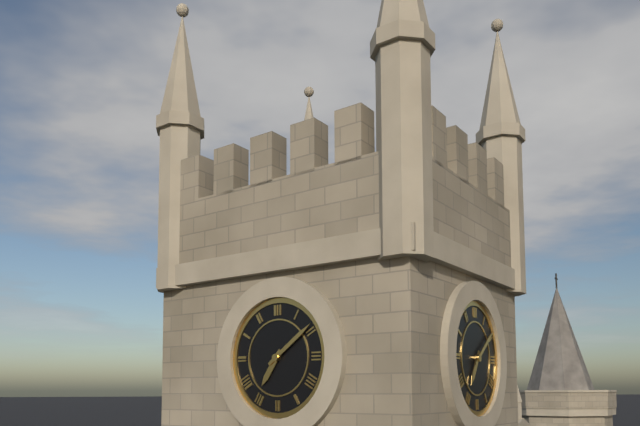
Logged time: **7:09**
